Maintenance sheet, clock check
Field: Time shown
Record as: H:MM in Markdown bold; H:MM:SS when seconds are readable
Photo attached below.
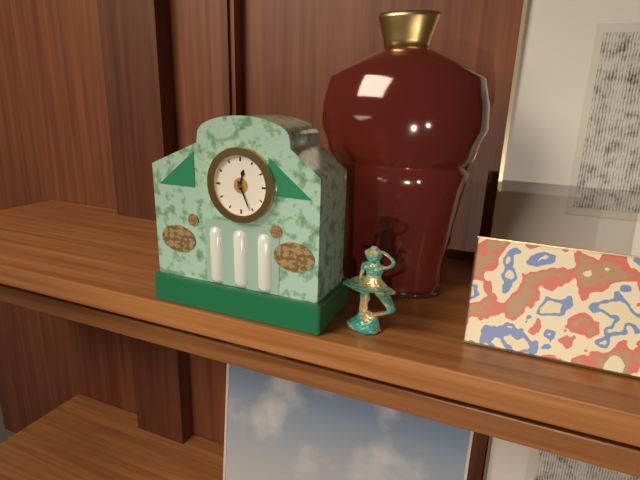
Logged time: **12:26**
